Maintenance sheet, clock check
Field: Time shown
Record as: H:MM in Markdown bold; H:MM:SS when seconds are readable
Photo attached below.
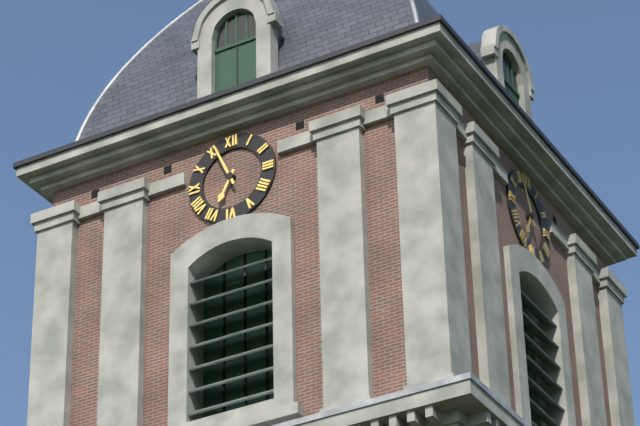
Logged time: **6:56**
